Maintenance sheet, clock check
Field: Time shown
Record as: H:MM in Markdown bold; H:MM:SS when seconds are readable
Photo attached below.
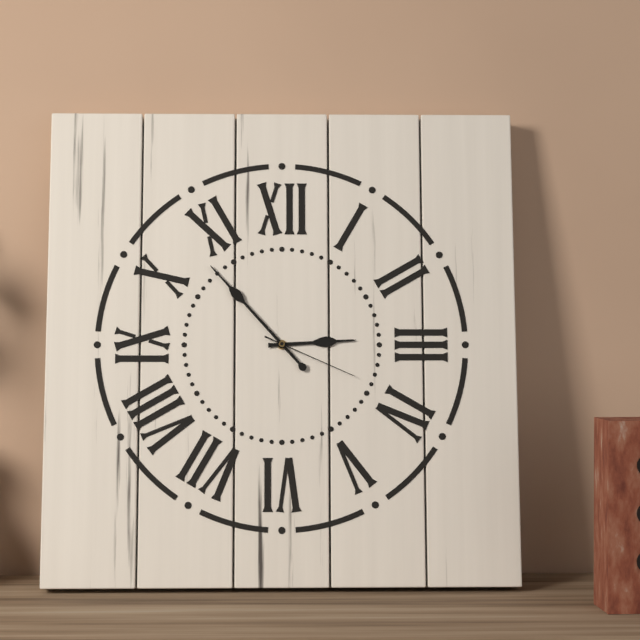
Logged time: **2:53:19**
